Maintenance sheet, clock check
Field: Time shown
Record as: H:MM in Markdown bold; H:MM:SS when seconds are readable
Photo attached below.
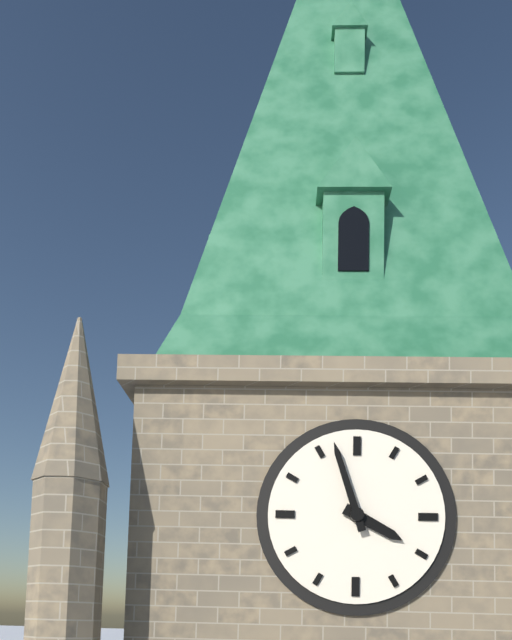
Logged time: **3:57**
